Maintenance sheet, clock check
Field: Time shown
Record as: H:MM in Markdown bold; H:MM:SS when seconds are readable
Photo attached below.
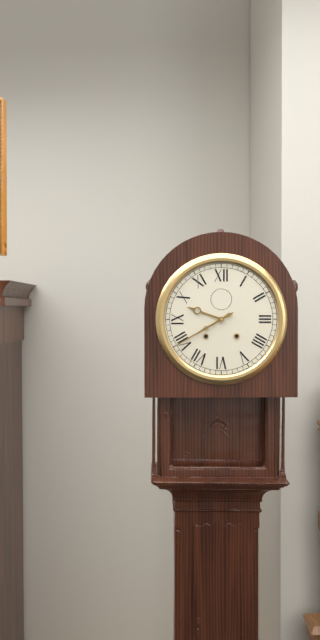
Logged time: **9:40**
